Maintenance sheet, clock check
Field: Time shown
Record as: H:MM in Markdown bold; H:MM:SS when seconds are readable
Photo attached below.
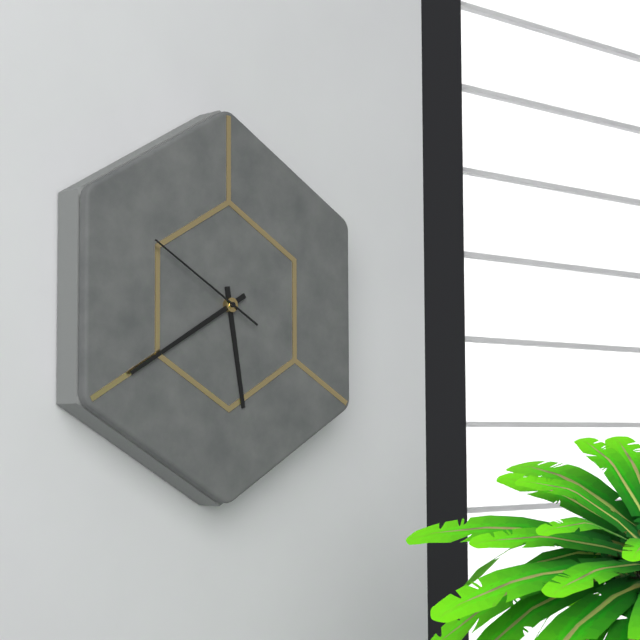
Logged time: **5:40:50**
